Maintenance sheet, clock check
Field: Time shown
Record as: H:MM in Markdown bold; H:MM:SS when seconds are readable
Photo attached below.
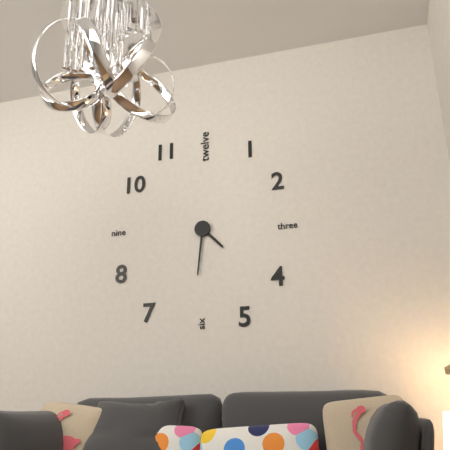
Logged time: **4:31**
